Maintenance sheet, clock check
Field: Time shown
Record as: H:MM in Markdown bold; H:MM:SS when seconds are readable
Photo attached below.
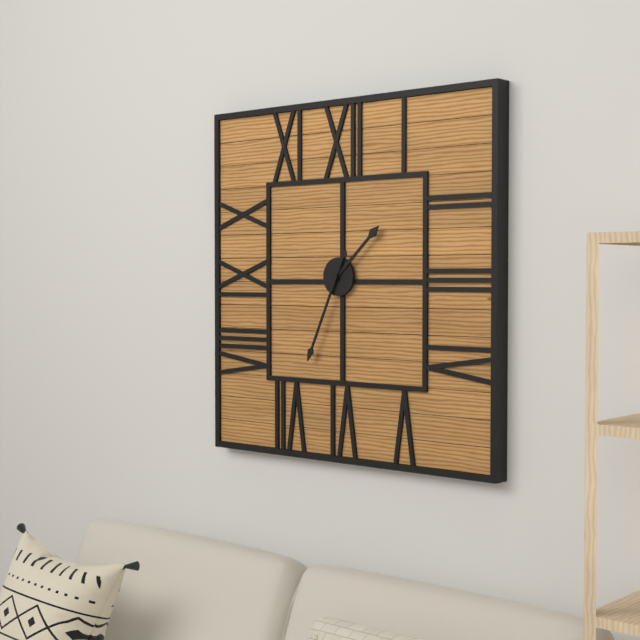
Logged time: **1:34**
